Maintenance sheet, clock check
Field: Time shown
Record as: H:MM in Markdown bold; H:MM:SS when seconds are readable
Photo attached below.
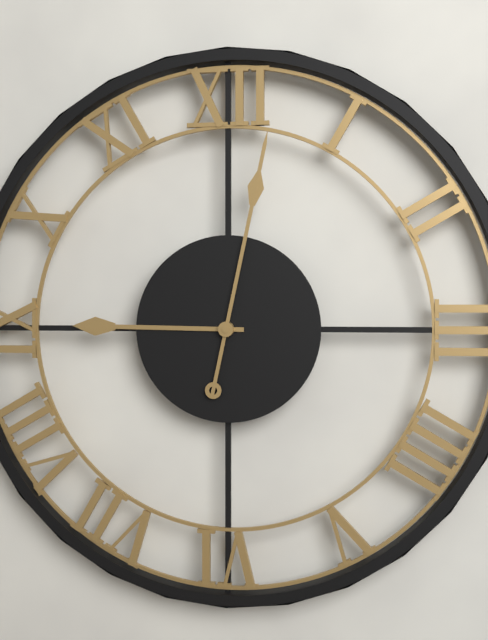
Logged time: **9:02**
